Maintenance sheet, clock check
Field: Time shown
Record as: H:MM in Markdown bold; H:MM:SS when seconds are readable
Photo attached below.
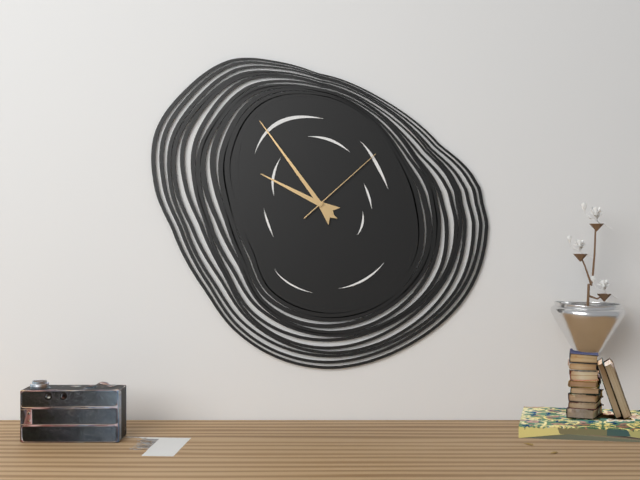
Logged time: **9:54:08**
